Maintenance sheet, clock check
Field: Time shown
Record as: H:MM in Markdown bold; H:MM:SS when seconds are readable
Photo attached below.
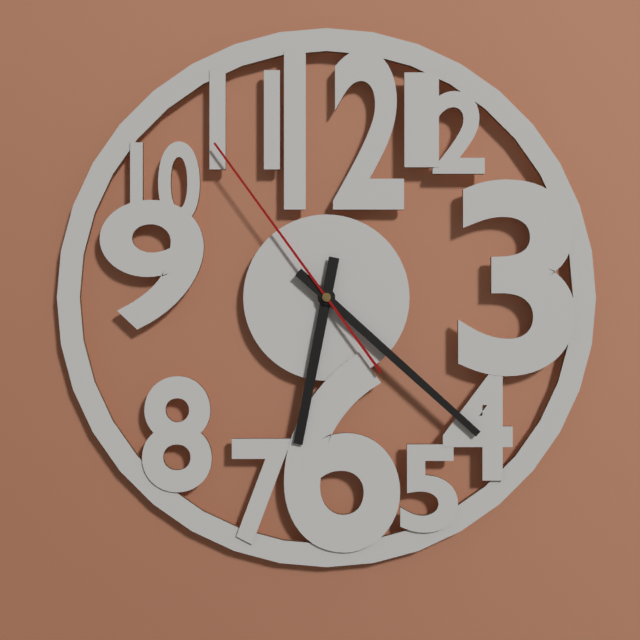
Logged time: **6:22:54**
